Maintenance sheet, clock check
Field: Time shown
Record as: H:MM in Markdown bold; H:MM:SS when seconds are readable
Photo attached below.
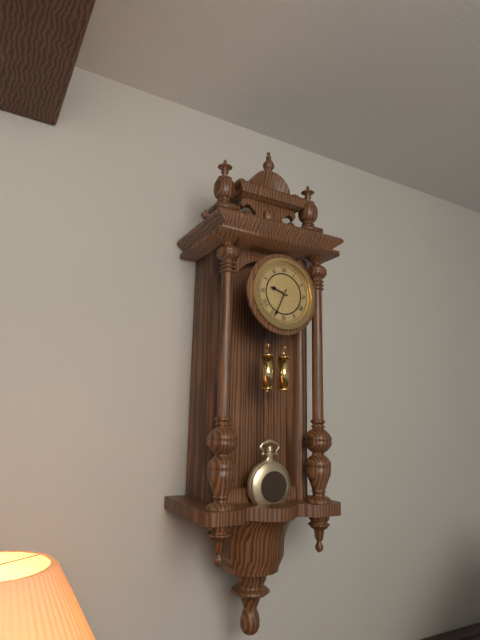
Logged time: **9:34**
